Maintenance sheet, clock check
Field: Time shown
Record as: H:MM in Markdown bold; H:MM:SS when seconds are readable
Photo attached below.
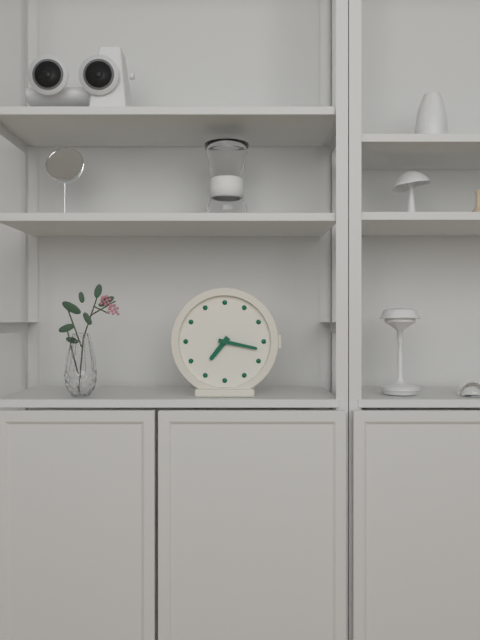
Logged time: **7:17**
